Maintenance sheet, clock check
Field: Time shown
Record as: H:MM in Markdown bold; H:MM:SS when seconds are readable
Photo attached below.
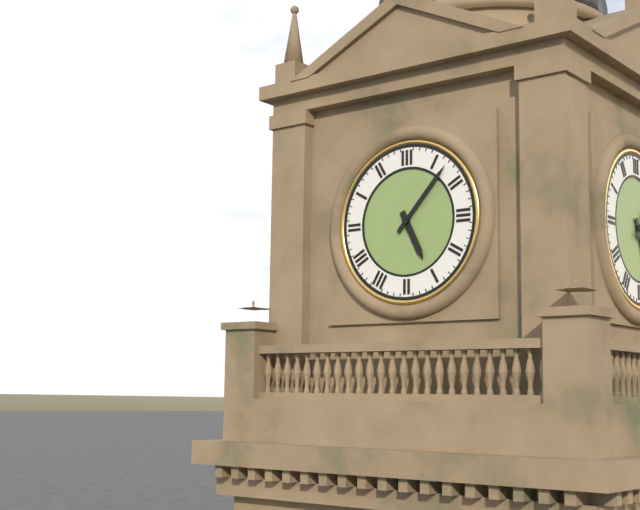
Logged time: **5:07**
